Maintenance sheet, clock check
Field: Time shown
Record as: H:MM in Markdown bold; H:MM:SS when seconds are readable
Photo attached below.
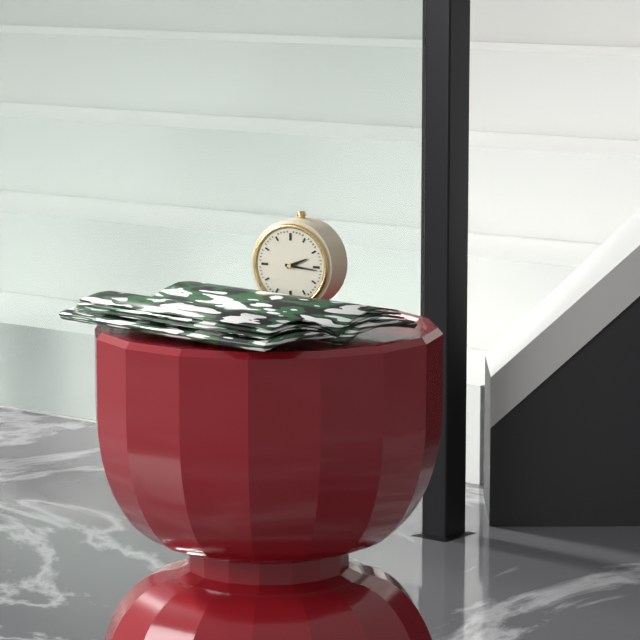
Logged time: **2:16**
